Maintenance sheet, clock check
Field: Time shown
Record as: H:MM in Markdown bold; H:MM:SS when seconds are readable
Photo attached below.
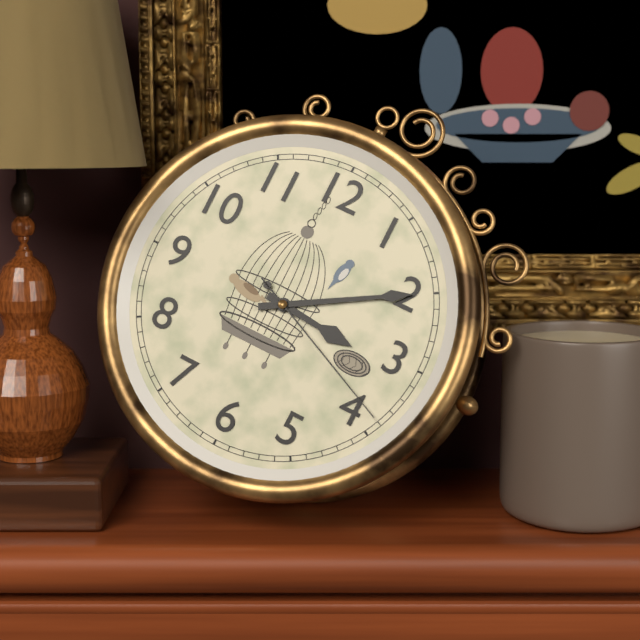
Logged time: **3:10:19**
